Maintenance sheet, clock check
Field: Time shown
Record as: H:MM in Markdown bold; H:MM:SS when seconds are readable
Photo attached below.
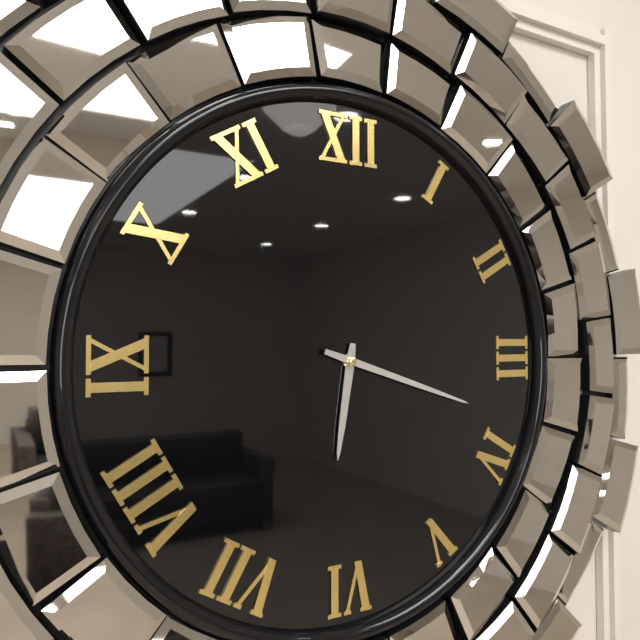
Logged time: **6:18**
